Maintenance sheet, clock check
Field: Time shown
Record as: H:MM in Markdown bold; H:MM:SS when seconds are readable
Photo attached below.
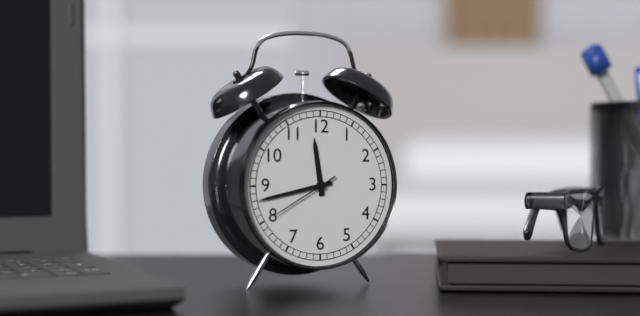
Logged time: **11:43:40**
